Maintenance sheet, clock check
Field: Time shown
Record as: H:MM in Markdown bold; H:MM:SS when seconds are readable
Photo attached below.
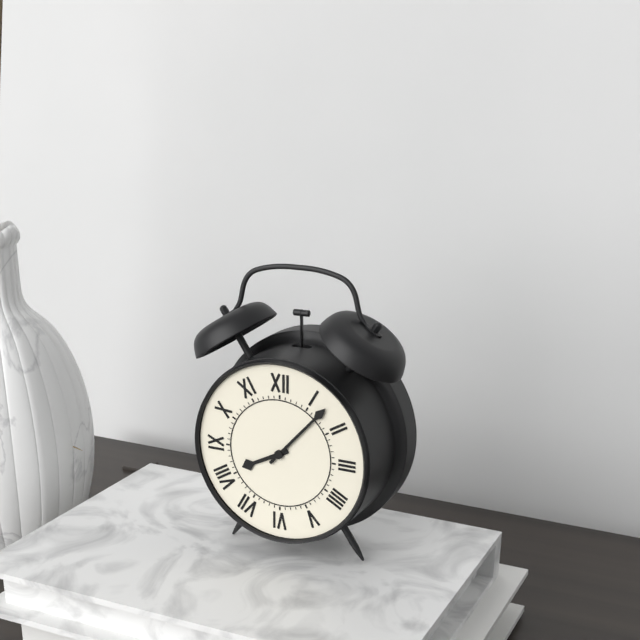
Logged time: **8:07**
